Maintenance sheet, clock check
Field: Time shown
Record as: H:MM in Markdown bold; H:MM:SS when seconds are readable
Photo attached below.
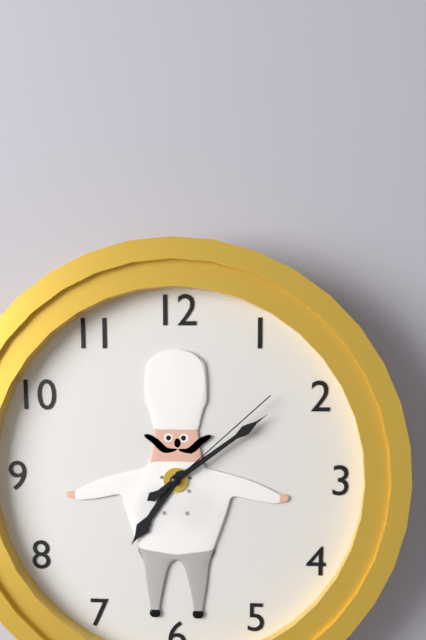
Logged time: **7:09:08**
